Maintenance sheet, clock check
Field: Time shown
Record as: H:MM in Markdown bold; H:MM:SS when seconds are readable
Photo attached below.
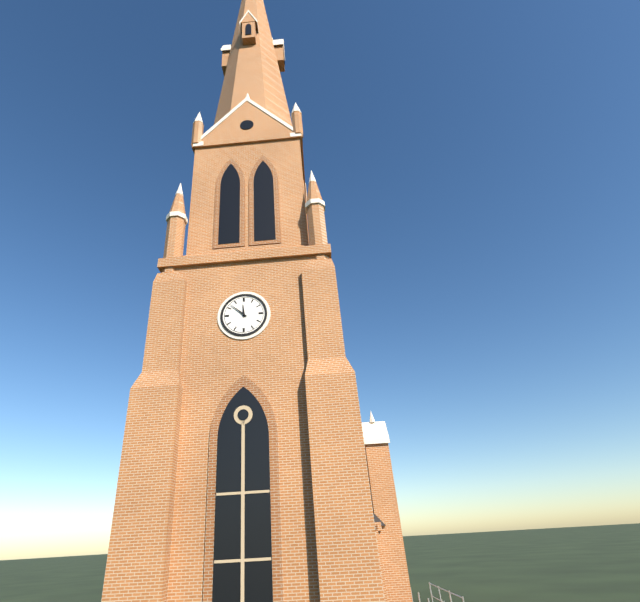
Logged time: **11:52**
